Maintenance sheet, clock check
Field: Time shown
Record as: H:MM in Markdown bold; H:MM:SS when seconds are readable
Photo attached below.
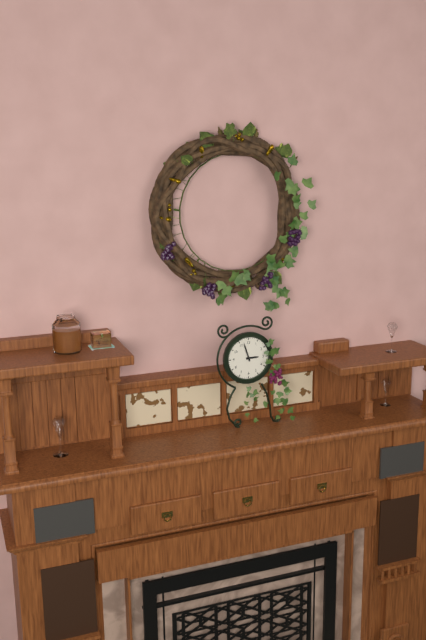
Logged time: **2:57**
